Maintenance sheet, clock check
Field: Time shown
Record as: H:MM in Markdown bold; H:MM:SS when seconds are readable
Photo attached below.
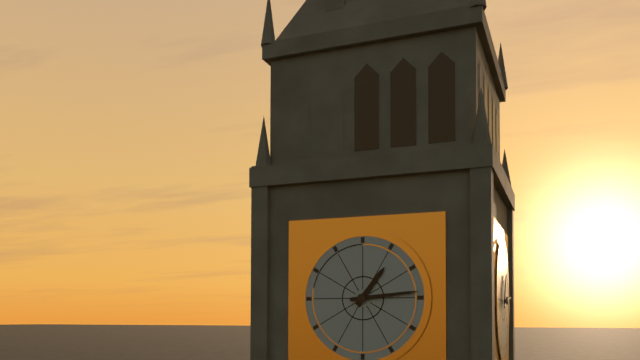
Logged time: **1:14**
